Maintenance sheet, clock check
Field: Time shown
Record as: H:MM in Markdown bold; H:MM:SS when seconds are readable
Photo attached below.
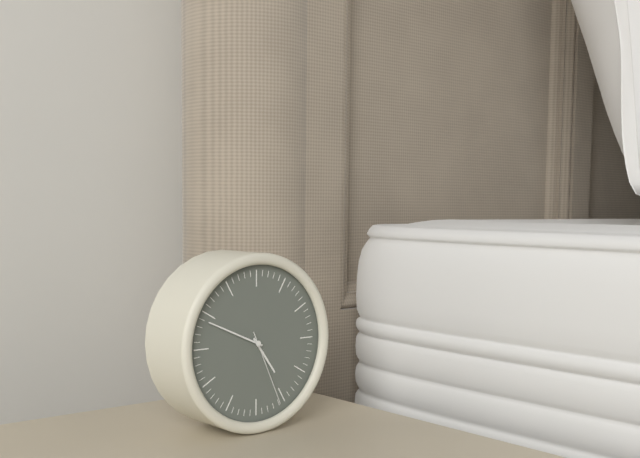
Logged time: **4:49:26**
